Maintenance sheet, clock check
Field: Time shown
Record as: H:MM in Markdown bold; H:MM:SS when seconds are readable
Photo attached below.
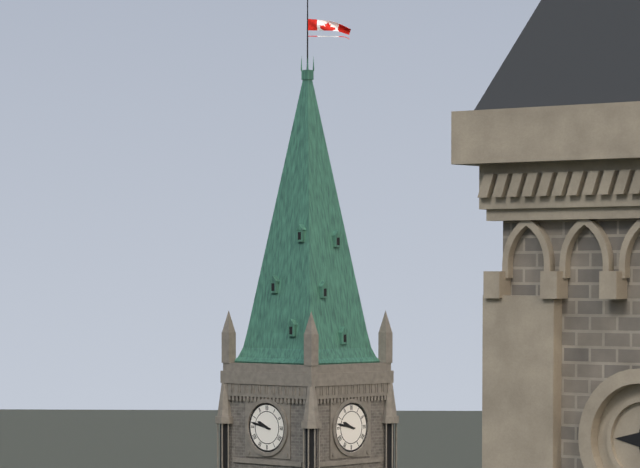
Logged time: **9:47**
